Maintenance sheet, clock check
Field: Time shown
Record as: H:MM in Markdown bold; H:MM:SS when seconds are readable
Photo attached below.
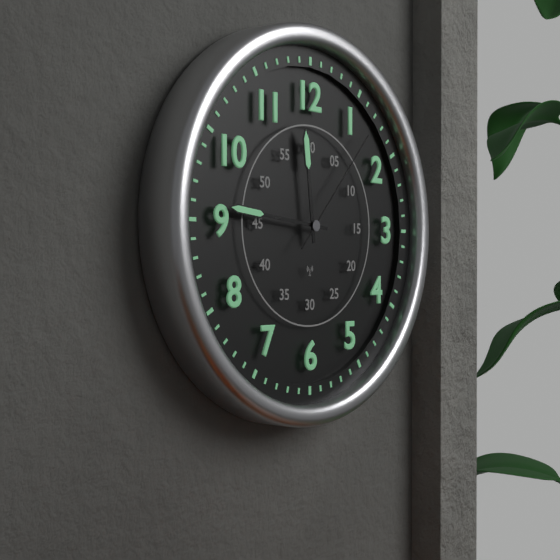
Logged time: **11:46:07**
